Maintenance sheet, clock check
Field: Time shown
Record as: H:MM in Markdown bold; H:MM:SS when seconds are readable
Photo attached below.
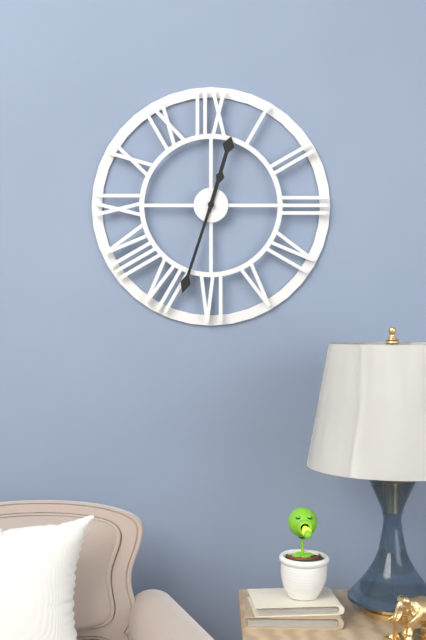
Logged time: **12:33**
